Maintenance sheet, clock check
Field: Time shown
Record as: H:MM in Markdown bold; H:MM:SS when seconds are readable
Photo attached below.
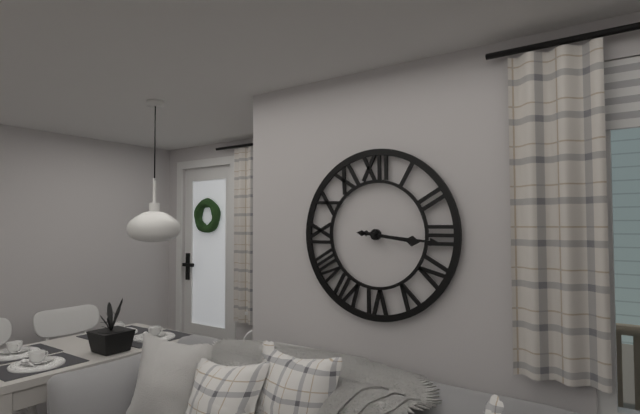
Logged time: **3:16**
